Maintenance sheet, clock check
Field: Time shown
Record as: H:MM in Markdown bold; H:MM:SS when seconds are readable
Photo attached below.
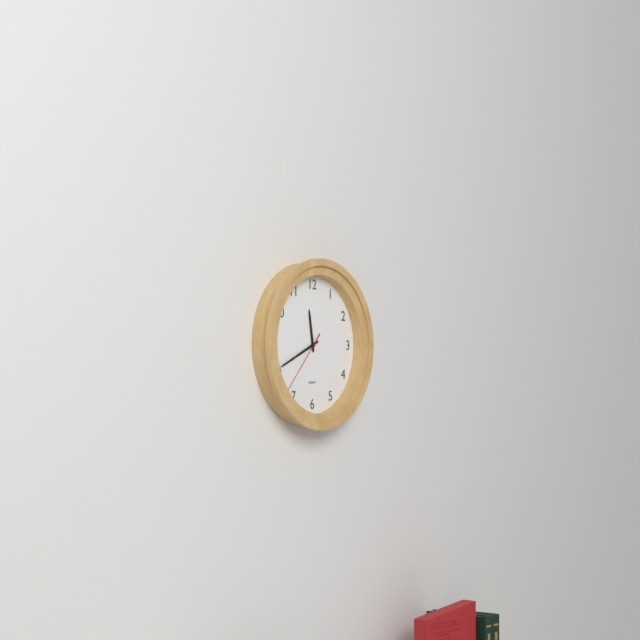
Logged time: **11:41:37**
